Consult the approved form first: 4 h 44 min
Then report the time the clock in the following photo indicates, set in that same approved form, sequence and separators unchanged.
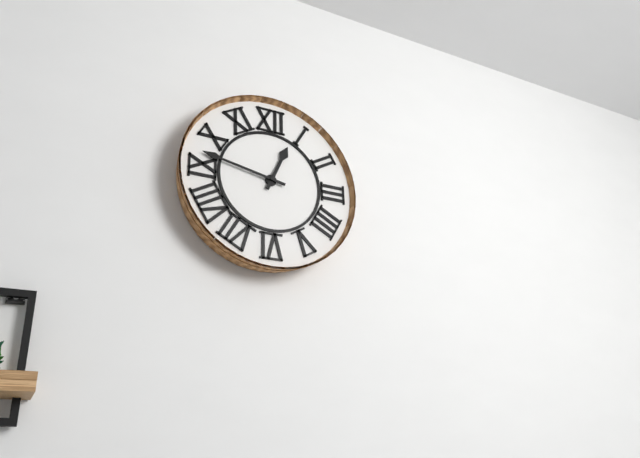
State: 12 h 47 min
